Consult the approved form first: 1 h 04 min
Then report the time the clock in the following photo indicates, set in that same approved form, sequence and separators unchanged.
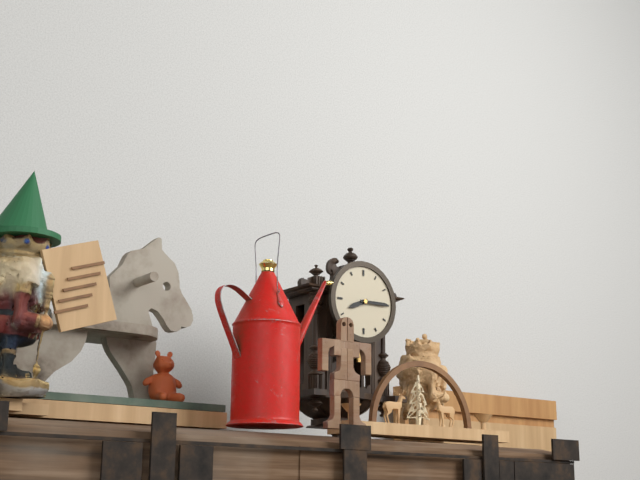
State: 8 h 15 min
